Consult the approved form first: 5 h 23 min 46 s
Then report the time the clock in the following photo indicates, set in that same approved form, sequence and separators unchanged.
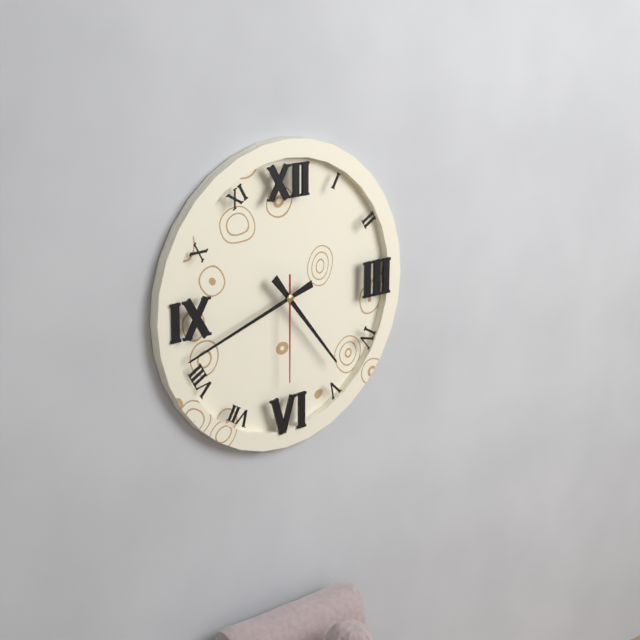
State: 4 h 42 min 30 s
